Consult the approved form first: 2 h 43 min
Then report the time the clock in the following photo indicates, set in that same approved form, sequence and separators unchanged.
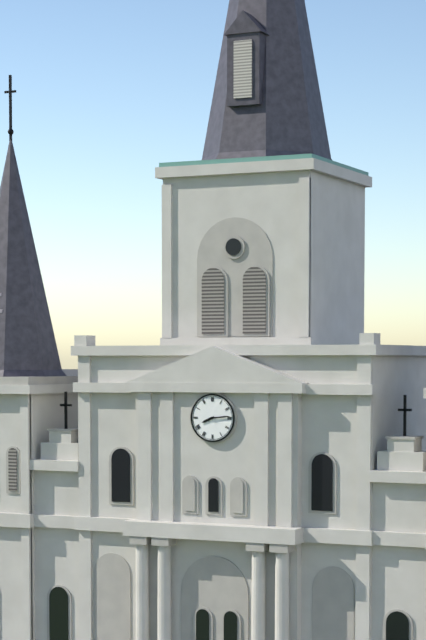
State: 8 h 14 min
